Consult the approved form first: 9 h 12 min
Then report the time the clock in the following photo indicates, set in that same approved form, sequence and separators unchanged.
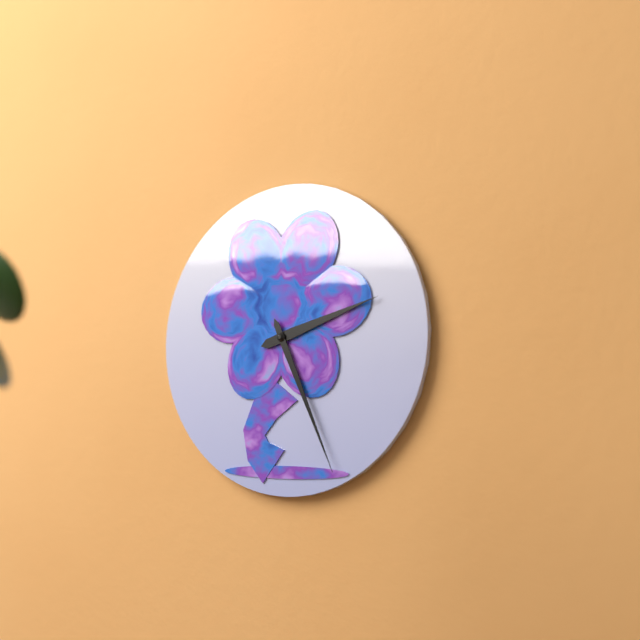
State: 2 h 26 min
